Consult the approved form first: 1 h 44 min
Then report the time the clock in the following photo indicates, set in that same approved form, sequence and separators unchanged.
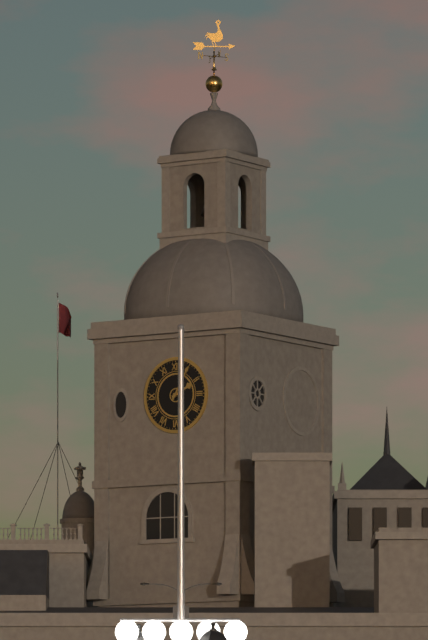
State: 2 h 05 min
